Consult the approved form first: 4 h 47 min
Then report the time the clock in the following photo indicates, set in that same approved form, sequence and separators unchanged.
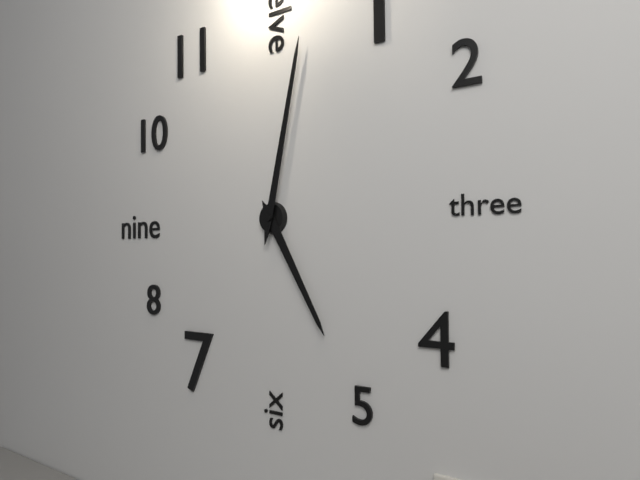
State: 5 h 02 min
